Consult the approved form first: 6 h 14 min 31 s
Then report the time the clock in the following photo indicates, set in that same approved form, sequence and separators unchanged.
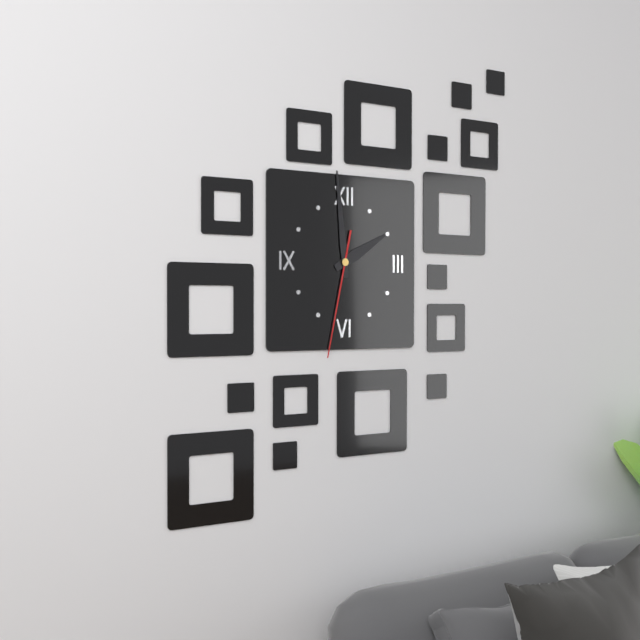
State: 1 h 59 min 32 s
